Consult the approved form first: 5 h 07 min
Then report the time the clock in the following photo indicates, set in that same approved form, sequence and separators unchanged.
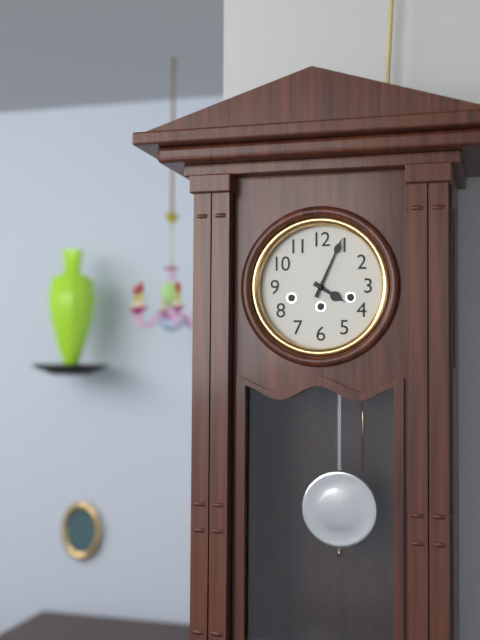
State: 4 h 04 min
